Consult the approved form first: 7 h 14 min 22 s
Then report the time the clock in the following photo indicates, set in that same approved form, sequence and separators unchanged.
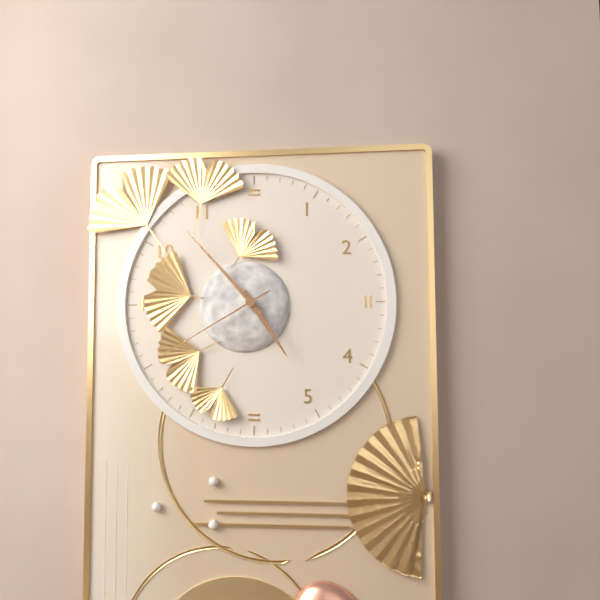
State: 4 h 53 min 40 s
